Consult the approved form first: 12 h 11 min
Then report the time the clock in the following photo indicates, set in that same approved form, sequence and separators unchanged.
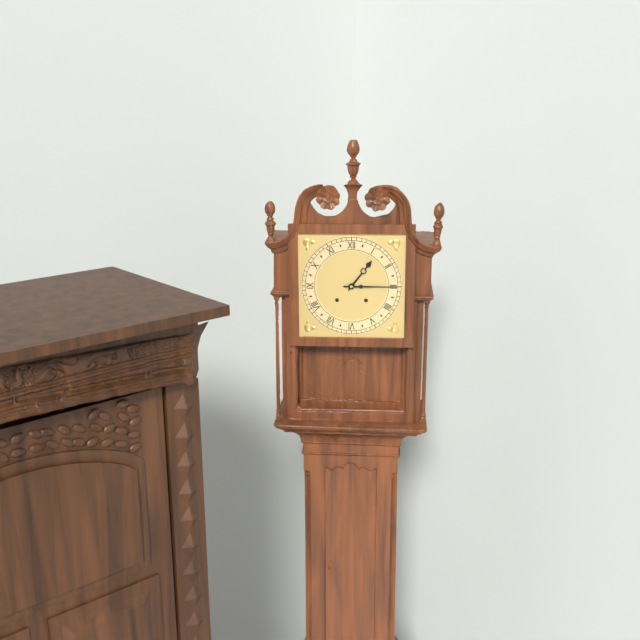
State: 1 h 15 min
